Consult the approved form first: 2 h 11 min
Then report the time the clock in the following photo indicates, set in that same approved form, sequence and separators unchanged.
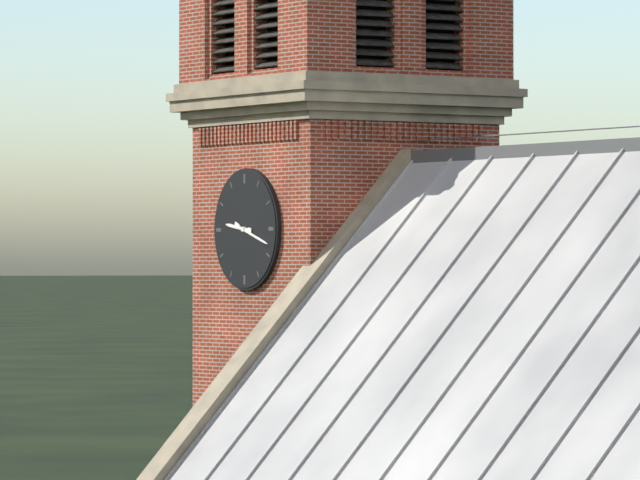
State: 9 h 18 min
